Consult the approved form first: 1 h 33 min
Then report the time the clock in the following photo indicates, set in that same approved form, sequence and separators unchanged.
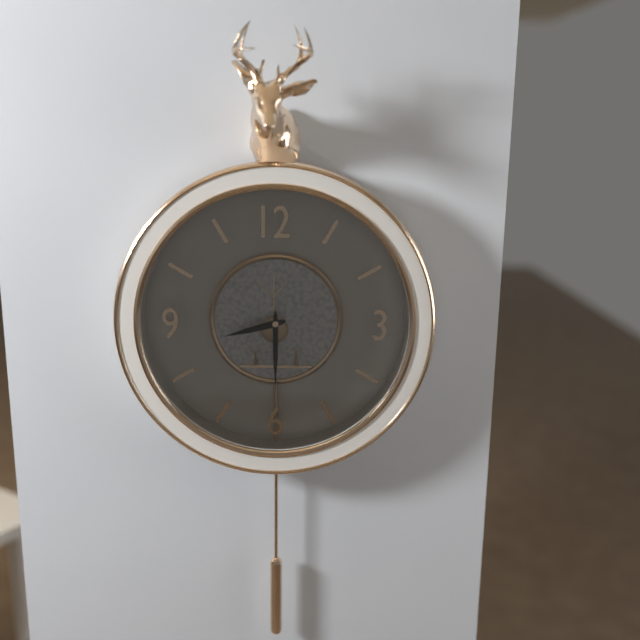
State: 8 h 30 min
